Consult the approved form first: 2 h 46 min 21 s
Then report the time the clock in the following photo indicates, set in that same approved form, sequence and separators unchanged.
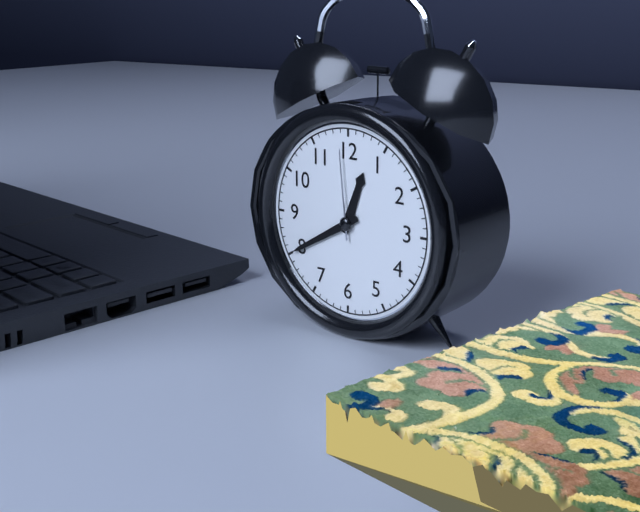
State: 12 h 40 min 59 s
